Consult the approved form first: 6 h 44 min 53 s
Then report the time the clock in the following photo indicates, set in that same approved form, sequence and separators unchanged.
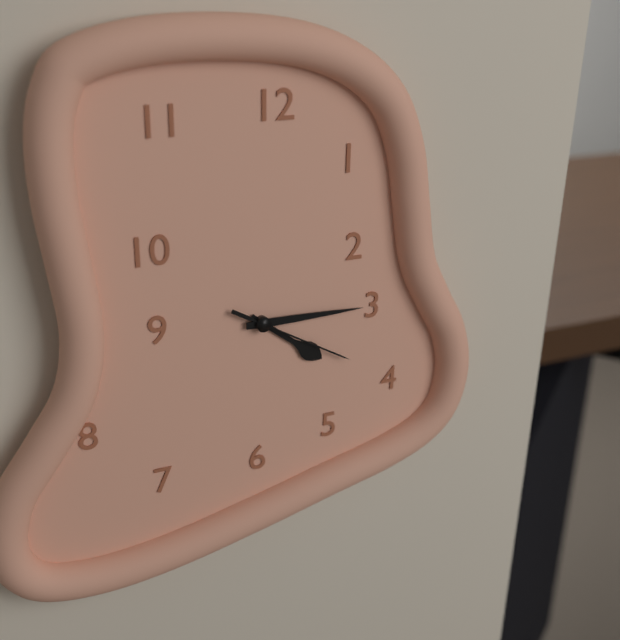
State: 4 h 15 min 20 s
